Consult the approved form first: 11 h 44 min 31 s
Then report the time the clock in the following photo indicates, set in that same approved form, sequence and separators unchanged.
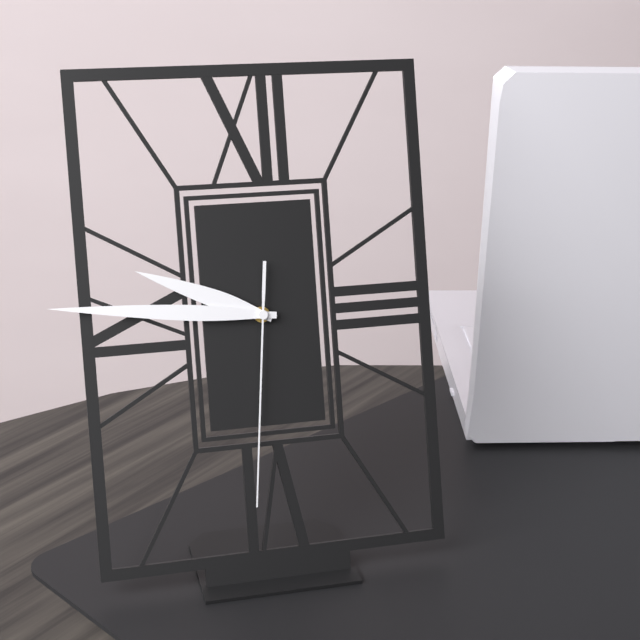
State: 9 h 46 min 31 s
